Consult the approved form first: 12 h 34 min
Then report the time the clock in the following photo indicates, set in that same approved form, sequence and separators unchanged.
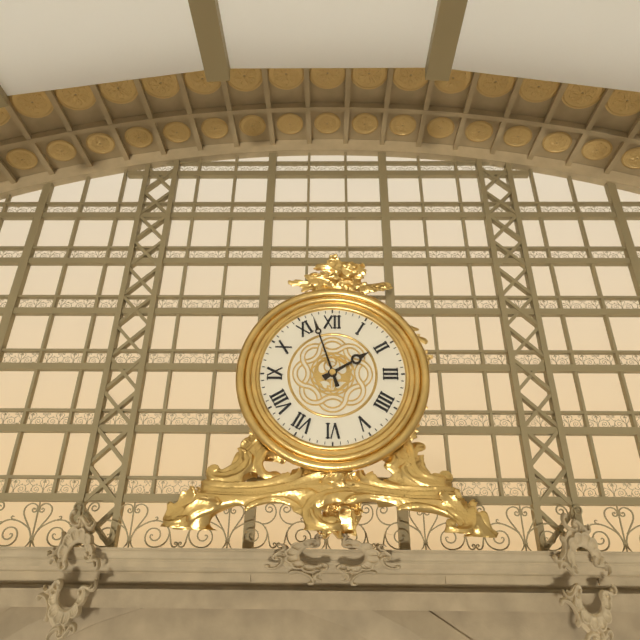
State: 1 h 57 min
